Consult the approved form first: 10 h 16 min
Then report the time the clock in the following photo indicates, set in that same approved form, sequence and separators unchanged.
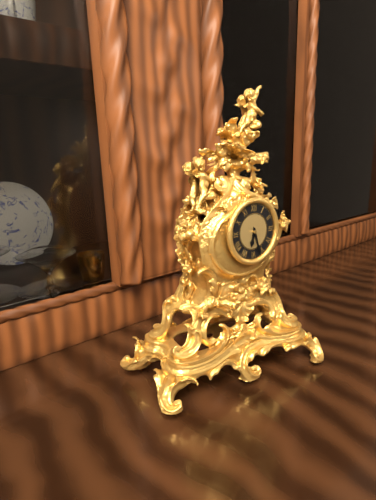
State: 6 h 27 min
